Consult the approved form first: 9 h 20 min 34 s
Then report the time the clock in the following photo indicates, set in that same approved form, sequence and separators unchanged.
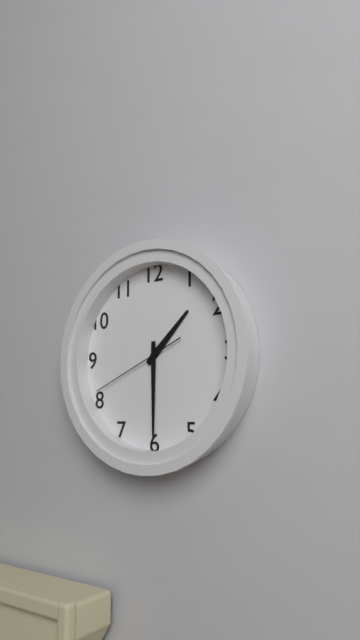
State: 1 h 30 min 41 s
